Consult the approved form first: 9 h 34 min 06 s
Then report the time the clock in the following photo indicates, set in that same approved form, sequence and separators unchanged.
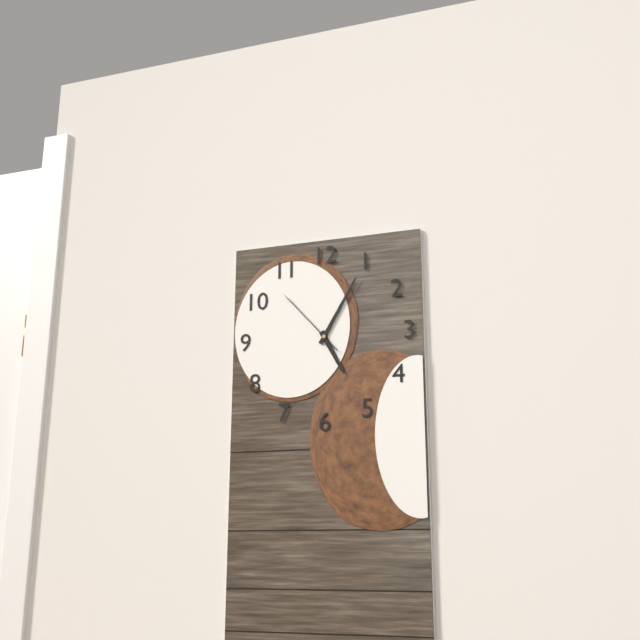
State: 5 h 05 min 53 s
